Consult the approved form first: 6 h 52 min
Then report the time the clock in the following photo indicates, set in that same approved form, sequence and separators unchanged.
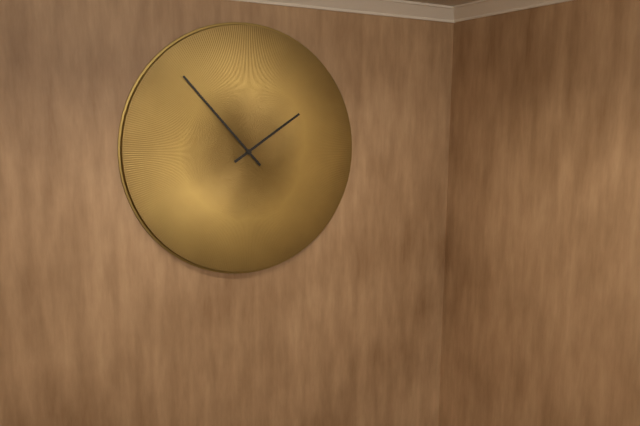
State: 1 h 53 min
